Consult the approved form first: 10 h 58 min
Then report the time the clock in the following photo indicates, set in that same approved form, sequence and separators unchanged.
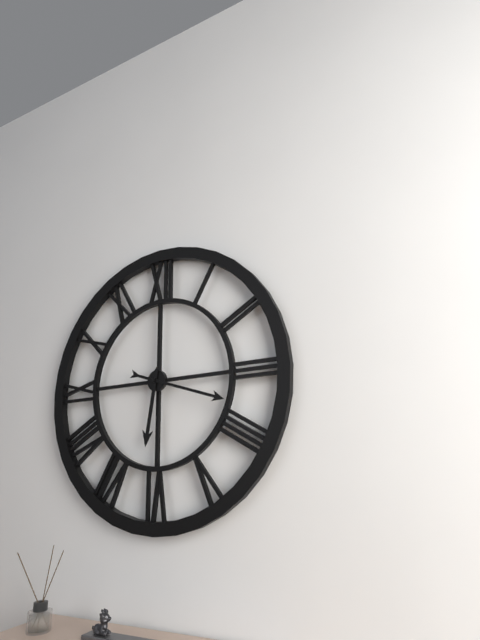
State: 6 h 18 min
